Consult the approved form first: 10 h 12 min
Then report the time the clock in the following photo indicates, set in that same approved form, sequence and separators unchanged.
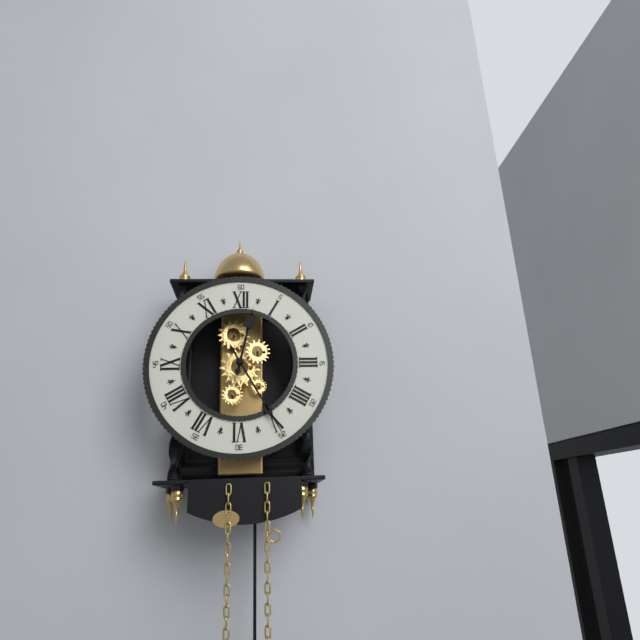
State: 12 h 25 min
